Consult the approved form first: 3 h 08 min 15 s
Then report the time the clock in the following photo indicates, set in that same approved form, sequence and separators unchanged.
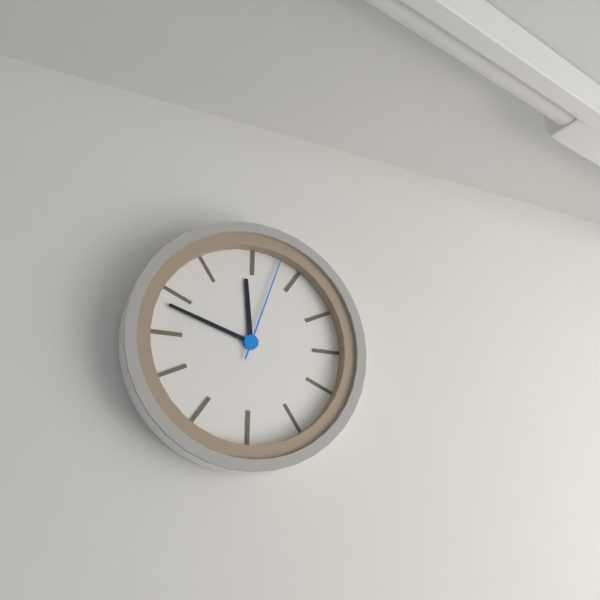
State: 11 h 48 min 03 s
